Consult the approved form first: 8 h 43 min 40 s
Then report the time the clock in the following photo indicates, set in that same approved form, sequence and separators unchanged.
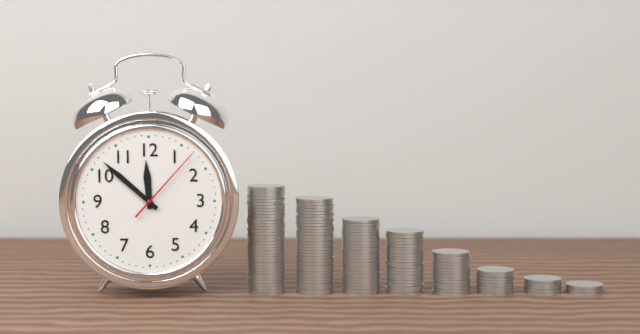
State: 11 h 52 min 07 s
